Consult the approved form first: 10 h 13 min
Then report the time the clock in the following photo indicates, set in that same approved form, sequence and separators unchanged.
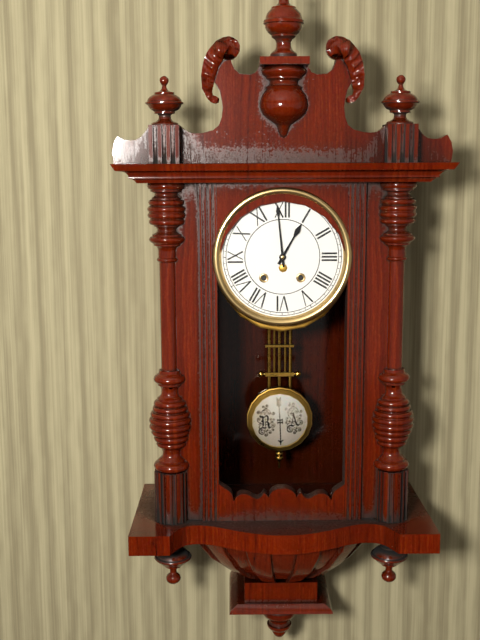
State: 12 h 59 min
